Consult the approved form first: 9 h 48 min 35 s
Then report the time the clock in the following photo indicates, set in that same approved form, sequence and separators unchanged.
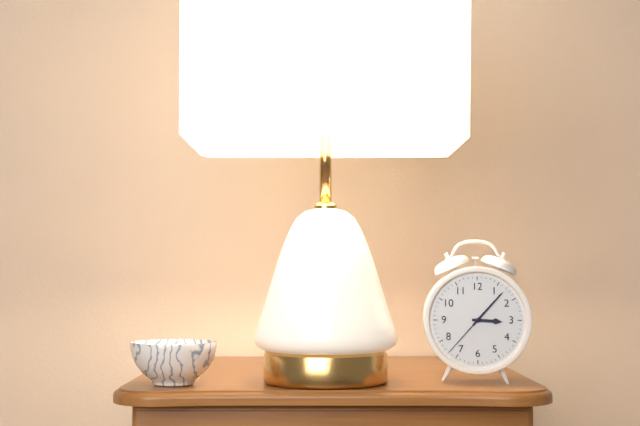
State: 3 h 07 min 37 s
